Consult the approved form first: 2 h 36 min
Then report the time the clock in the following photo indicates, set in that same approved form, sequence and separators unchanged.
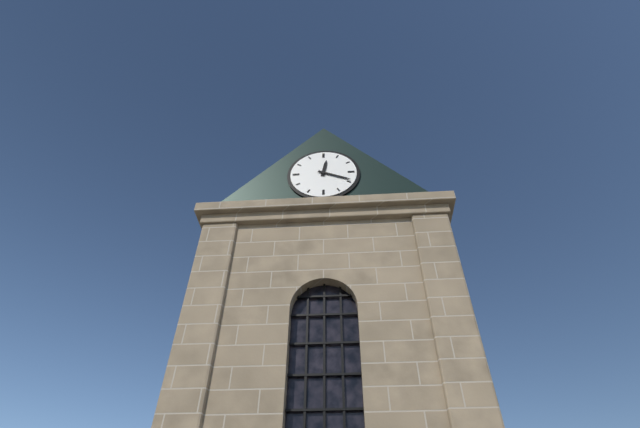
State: 12 h 19 min
